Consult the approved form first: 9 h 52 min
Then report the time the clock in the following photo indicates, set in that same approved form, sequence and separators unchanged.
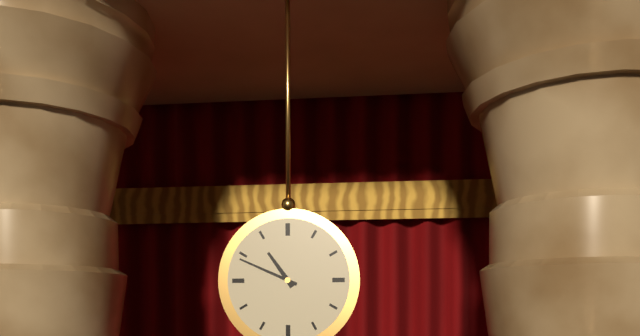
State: 10 h 49 min
